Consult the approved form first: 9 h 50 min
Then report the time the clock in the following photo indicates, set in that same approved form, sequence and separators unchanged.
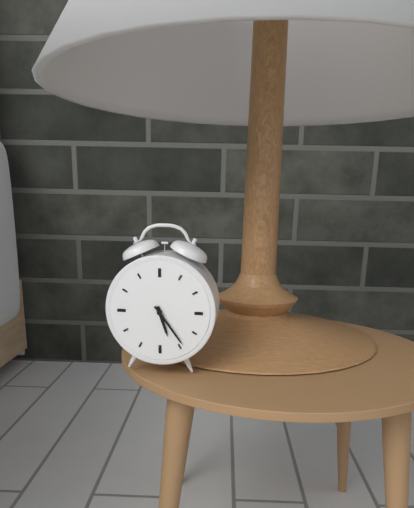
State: 5 h 24 min
